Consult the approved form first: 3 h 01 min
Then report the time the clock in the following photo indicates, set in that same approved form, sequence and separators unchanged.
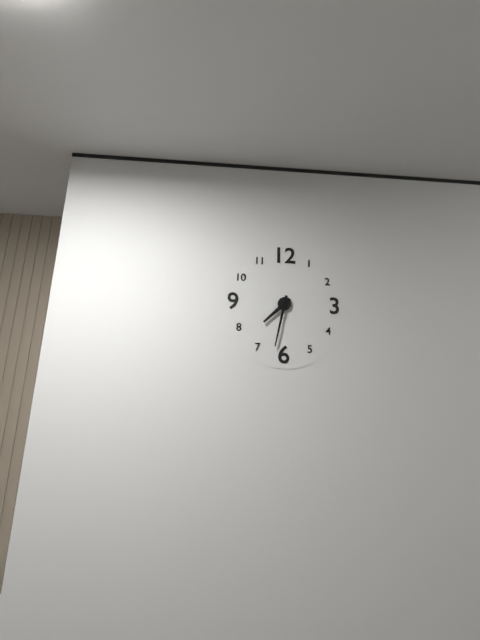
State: 7 h 32 min
